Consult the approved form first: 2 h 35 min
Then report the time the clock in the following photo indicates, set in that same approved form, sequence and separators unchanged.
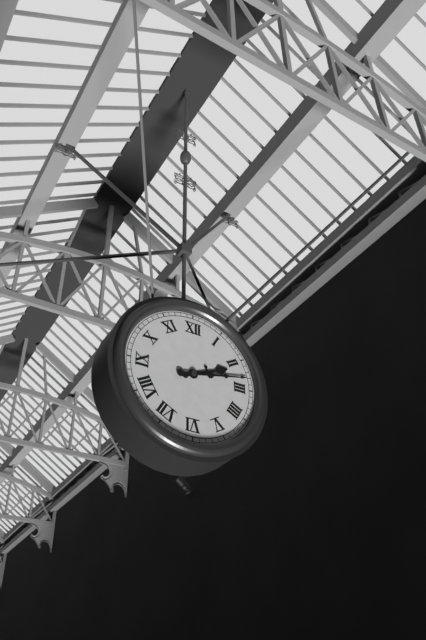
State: 2 h 13 min
